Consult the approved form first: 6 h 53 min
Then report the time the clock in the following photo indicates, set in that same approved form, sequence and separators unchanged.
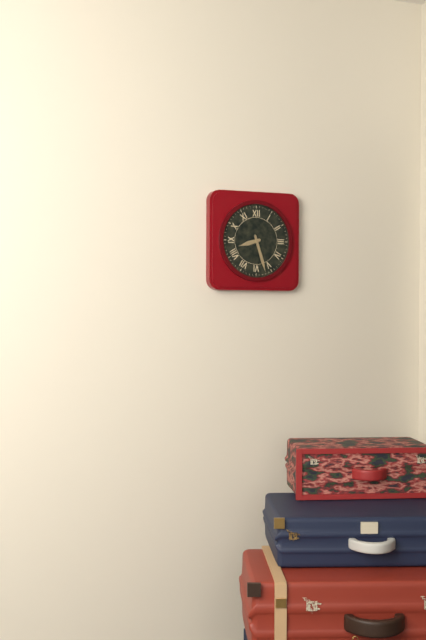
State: 8 h 27 min
